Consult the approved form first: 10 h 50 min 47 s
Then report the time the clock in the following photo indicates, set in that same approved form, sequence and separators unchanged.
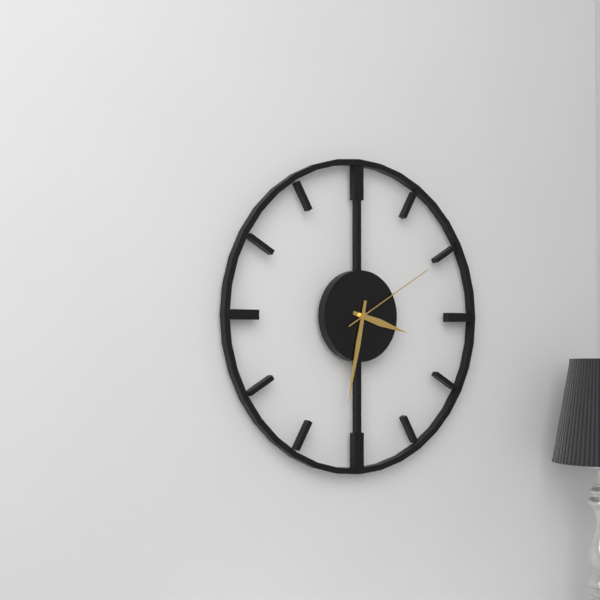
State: 3 h 32 min 10 s
